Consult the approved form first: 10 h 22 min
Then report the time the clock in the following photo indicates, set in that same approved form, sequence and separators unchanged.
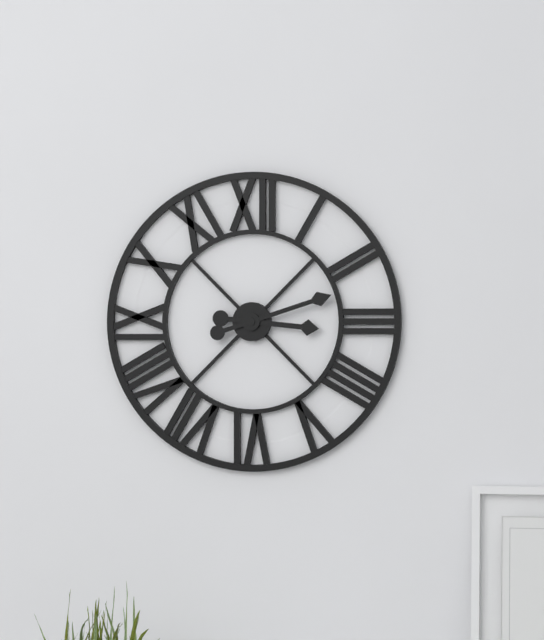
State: 3 h 12 min
